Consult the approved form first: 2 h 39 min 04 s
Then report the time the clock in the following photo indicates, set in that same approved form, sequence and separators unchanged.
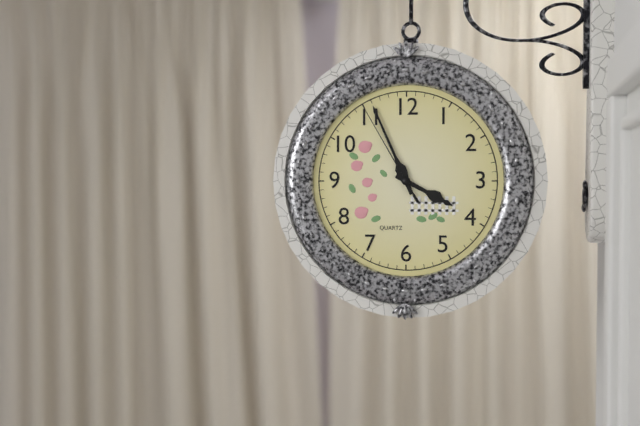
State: 3 h 56 min 55 s
